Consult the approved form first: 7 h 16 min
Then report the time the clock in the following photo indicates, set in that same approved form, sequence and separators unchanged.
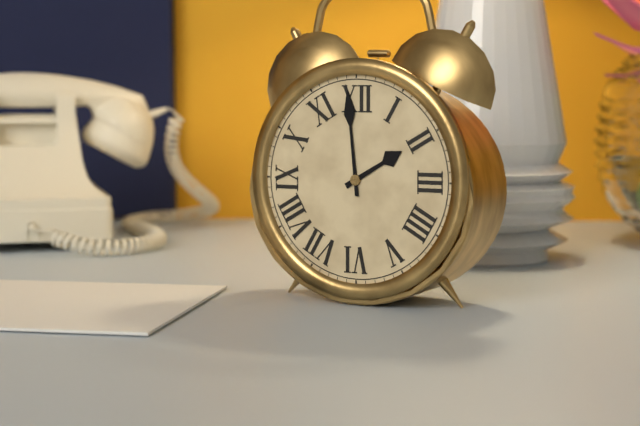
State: 1 h 59 min
